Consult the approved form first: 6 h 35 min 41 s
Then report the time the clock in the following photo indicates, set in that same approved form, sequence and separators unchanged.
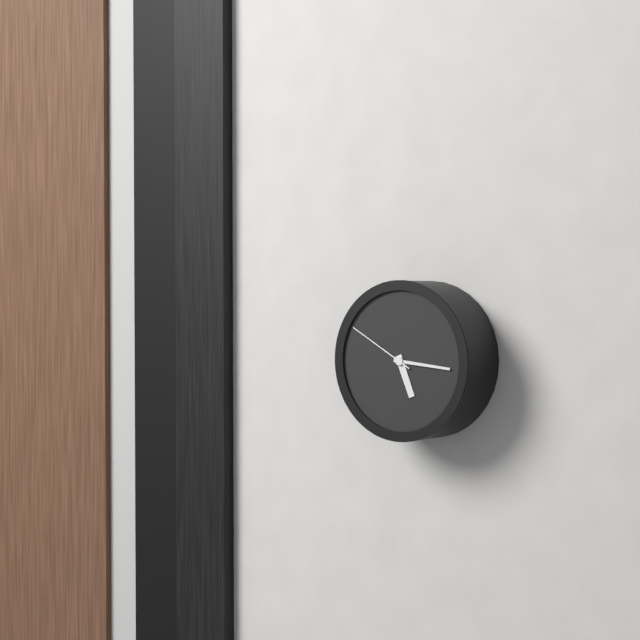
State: 5 h 16 min 50 s
